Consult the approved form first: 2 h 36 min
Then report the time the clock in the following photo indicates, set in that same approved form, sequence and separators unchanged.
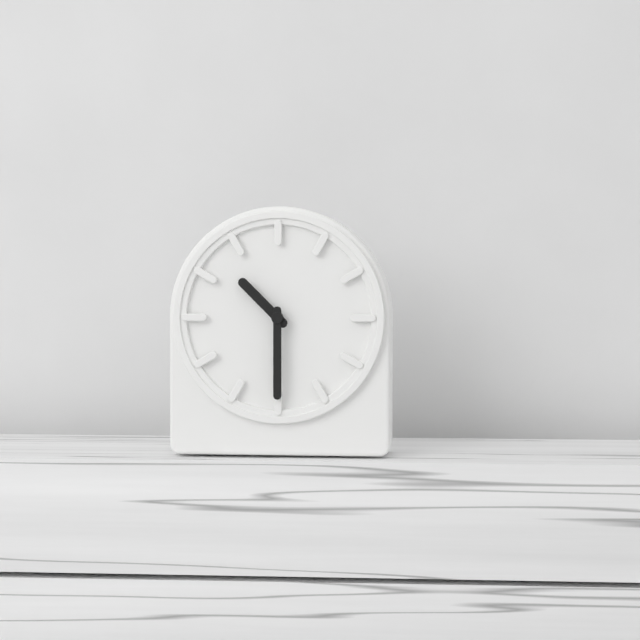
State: 10 h 30 min
